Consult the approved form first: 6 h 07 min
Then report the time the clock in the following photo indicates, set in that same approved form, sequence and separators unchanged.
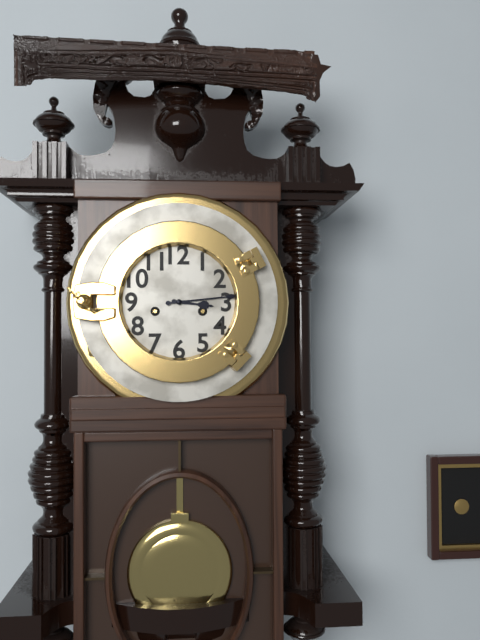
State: 3 h 14 min
